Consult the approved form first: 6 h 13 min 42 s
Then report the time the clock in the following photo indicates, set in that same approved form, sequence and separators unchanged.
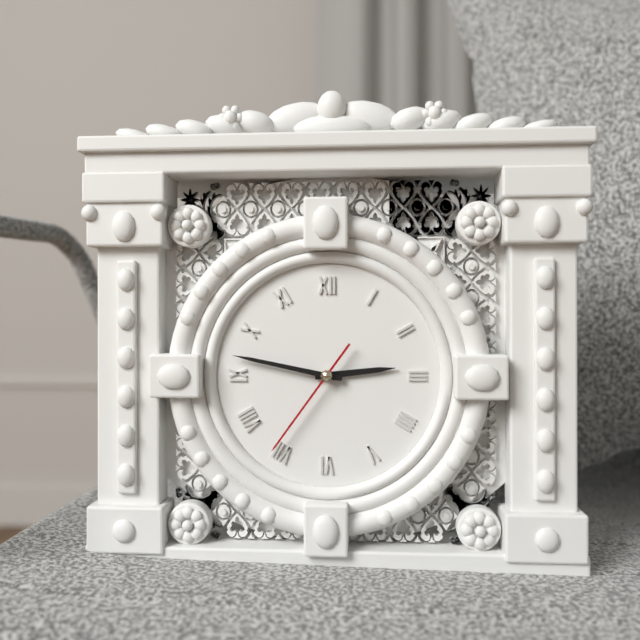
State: 2 h 47 min 36 s
